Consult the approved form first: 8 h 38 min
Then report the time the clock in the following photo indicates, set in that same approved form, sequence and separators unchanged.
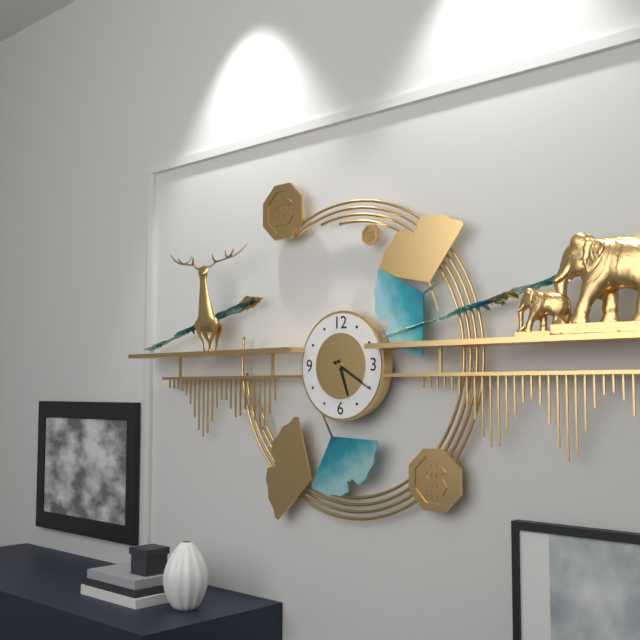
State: 5 h 20 min
